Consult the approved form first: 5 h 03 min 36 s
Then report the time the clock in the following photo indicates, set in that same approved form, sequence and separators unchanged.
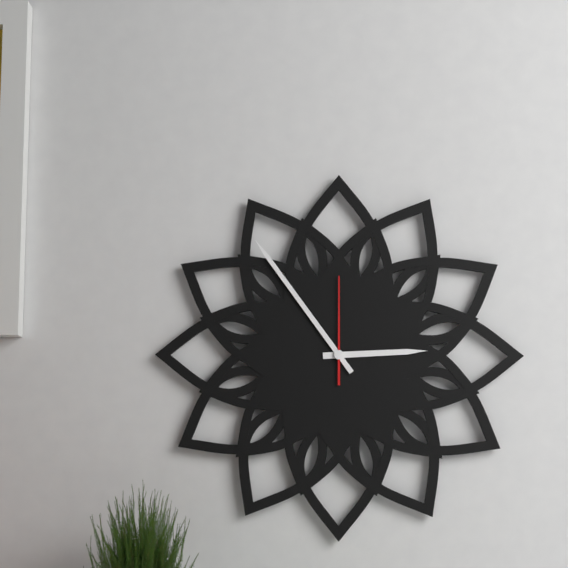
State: 2 h 54 min 00 s
